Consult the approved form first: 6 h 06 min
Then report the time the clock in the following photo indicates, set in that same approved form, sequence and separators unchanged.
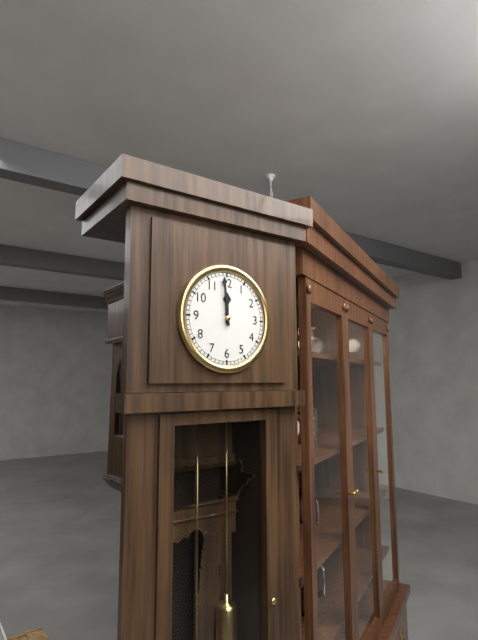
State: 11 h 59 min
